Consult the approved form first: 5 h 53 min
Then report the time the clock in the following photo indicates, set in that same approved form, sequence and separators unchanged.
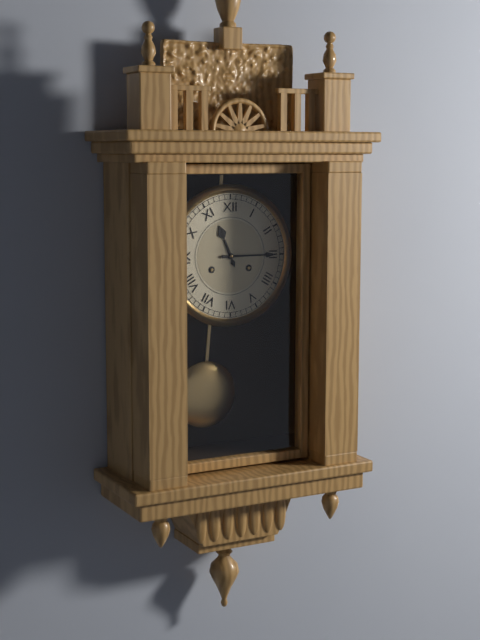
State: 11 h 15 min
